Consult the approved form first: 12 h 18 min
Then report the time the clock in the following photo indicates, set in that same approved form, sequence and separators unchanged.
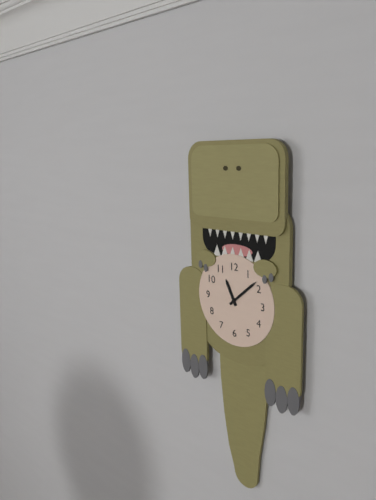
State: 11 h 08 min
